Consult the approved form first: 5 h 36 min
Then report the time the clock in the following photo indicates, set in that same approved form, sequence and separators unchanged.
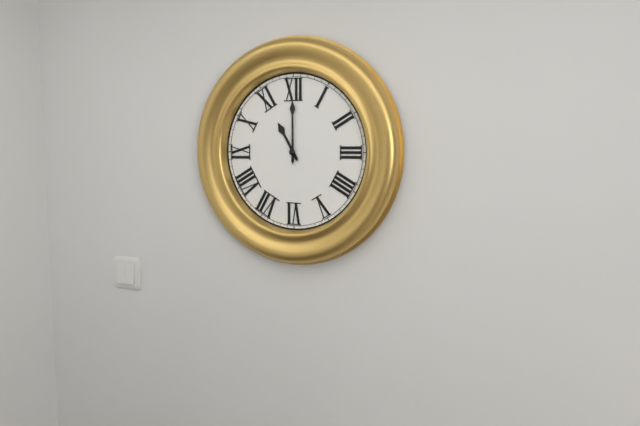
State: 11 h 00 min
